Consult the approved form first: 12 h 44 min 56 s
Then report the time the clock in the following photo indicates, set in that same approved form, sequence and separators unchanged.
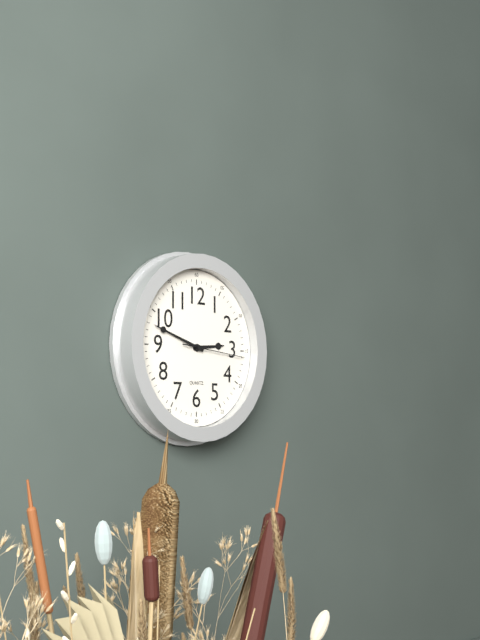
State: 2 h 48 min 16 s
